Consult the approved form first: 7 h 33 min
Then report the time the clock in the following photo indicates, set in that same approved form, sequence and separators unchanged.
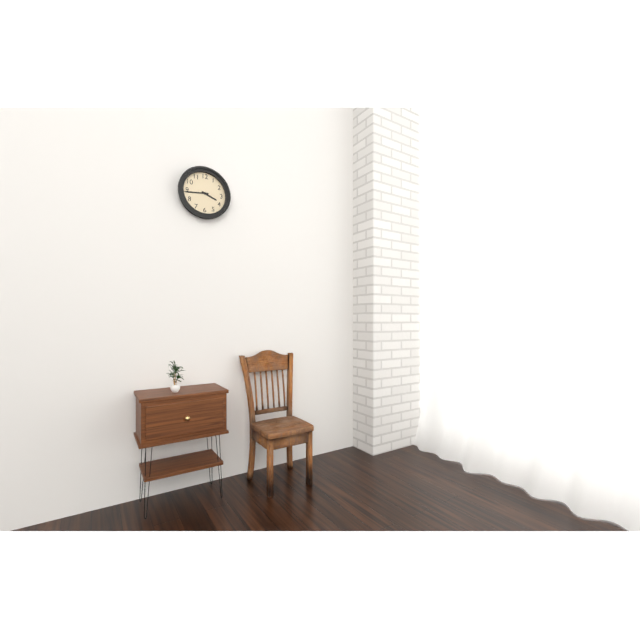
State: 3 h 44 min
